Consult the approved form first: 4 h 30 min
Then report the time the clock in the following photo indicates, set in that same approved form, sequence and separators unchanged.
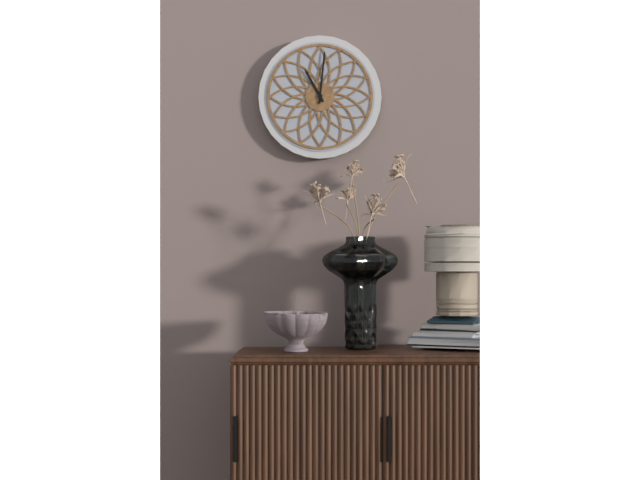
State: 11 h 01 min
